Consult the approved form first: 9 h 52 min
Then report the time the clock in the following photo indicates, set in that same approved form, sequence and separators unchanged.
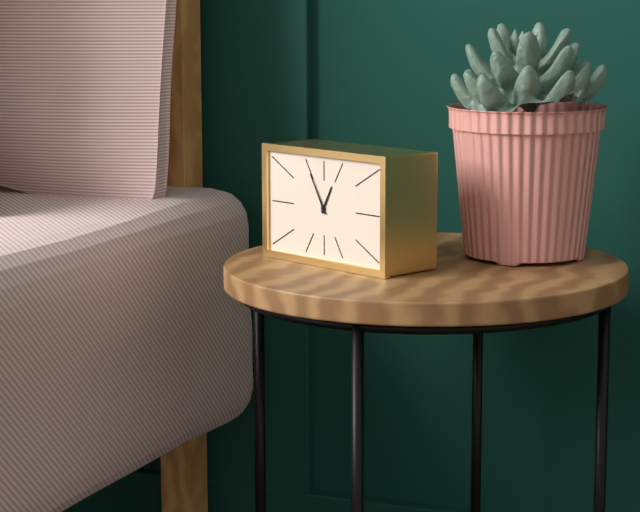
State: 12 h 55 min
